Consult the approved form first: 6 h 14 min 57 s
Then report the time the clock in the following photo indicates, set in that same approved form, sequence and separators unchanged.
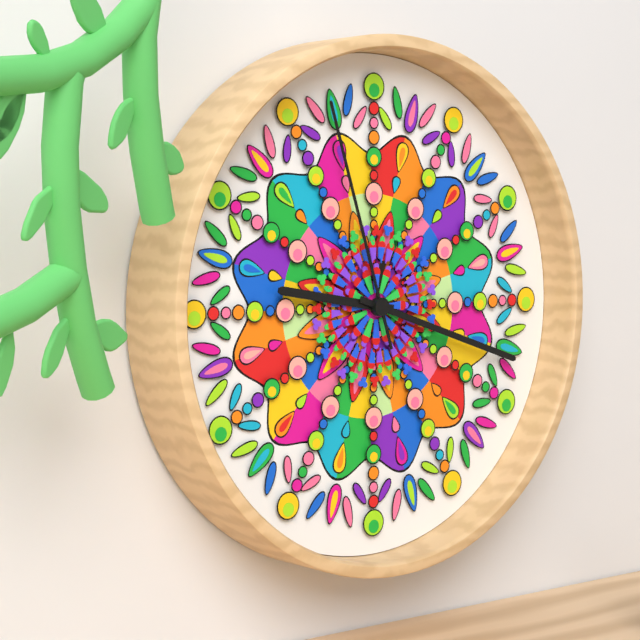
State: 9 h 18 min 57 s
